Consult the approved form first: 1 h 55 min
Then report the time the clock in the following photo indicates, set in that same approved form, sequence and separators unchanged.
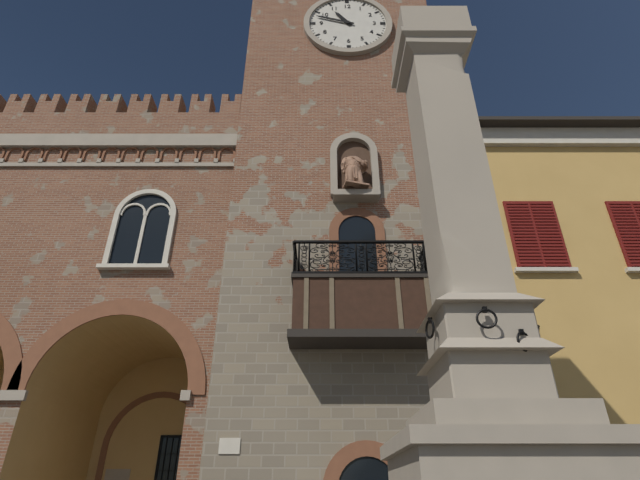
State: 10 h 48 min
